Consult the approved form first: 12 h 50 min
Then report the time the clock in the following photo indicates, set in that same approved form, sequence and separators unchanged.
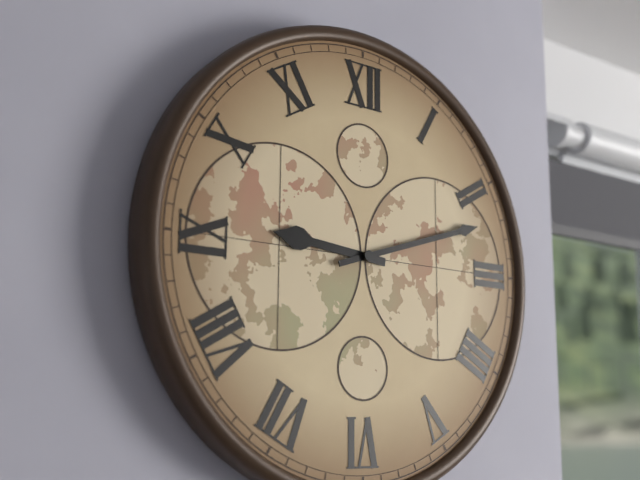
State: 9 h 12 min
